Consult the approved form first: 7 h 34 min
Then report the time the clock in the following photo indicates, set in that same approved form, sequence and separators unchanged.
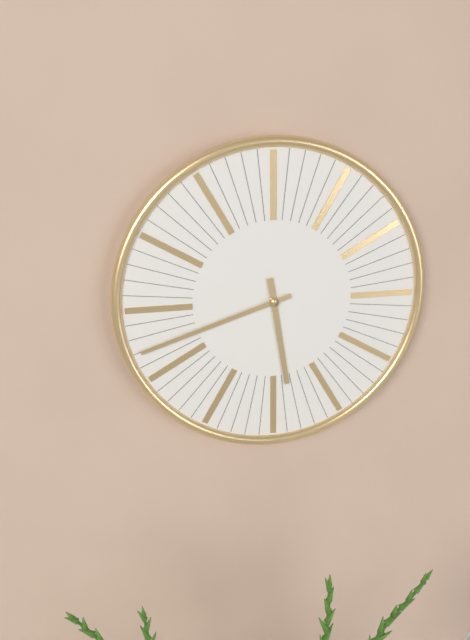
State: 5 h 42 min
